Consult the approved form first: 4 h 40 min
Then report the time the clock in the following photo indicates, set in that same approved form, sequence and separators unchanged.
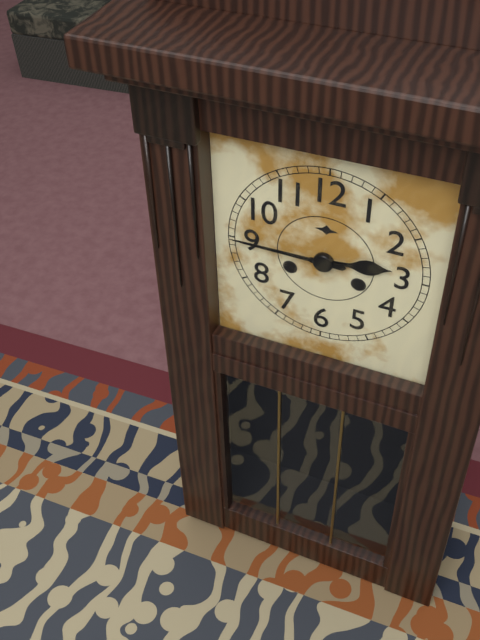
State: 2 h 45 min
